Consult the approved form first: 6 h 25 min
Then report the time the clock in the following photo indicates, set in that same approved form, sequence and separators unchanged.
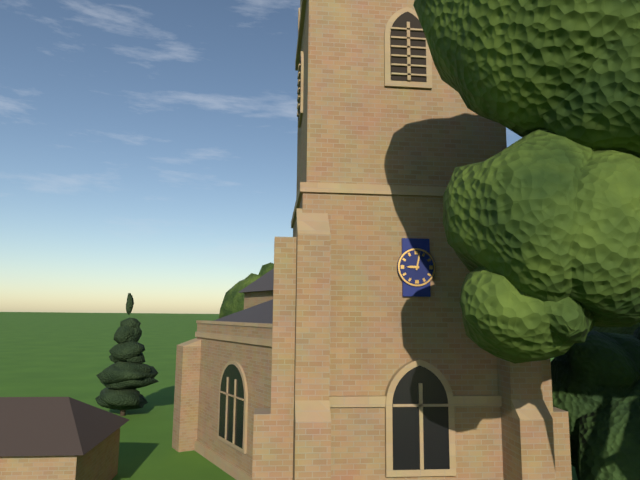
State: 9 h 02 min
